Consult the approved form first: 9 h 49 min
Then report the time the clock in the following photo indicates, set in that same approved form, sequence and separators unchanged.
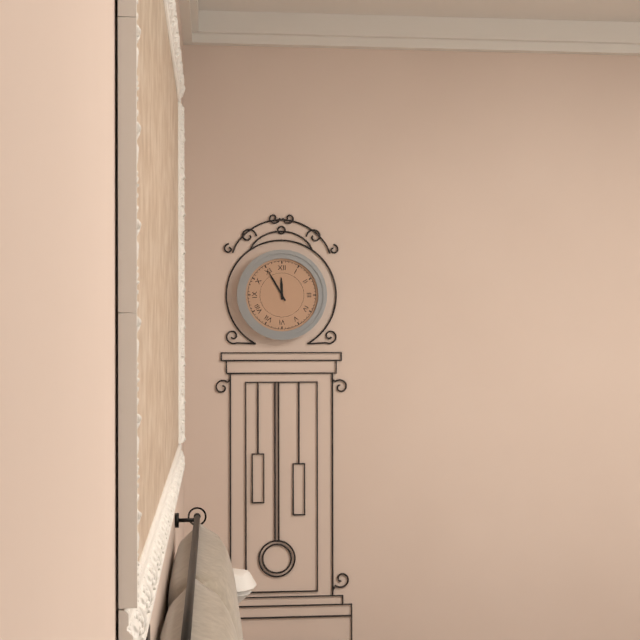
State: 11 h 55 min
